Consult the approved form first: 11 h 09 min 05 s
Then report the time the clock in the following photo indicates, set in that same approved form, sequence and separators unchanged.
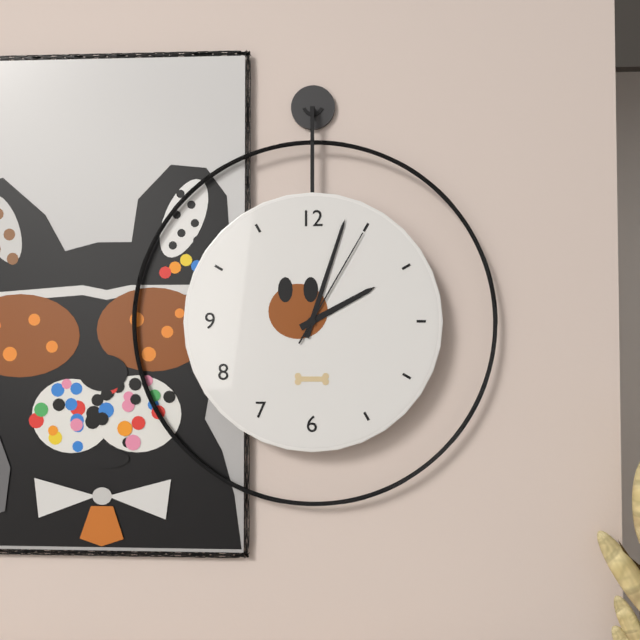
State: 2 h 03 min 05 s
